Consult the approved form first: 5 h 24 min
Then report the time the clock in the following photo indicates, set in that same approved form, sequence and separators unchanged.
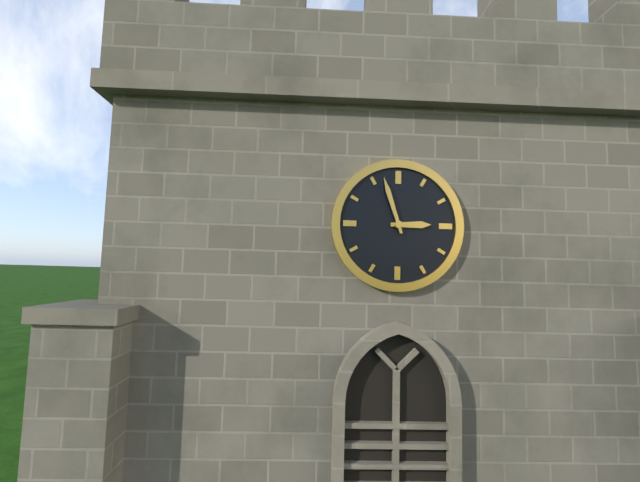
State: 2 h 57 min
